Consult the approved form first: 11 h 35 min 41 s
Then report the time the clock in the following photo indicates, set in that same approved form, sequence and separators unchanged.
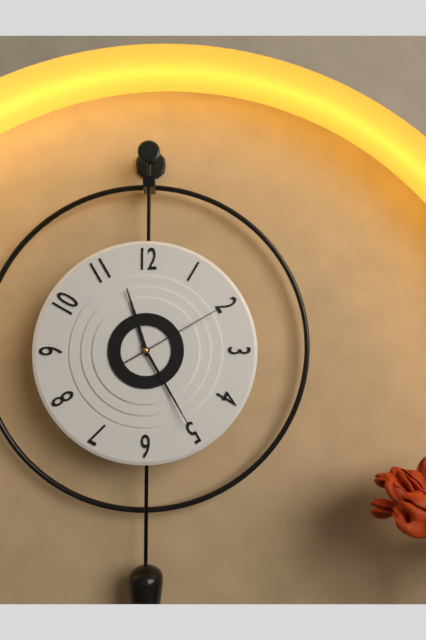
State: 11 h 25 min 10 s
